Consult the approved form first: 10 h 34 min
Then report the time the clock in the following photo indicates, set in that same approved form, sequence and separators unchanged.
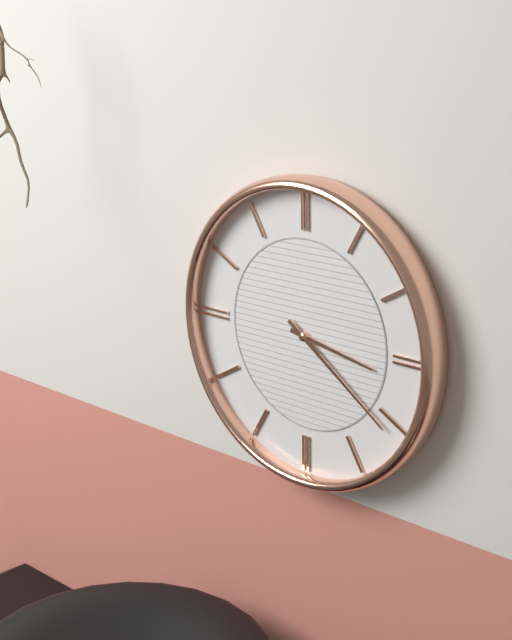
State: 3 h 21 min
